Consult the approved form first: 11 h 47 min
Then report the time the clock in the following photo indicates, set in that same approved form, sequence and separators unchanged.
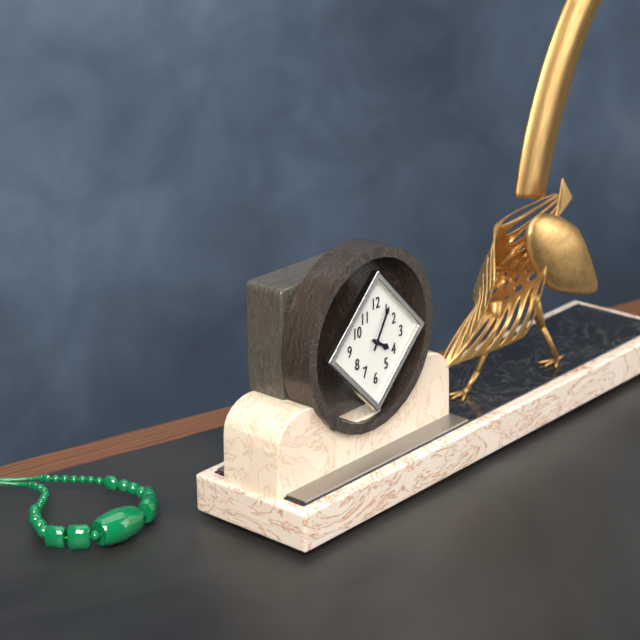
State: 4 h 05 min
